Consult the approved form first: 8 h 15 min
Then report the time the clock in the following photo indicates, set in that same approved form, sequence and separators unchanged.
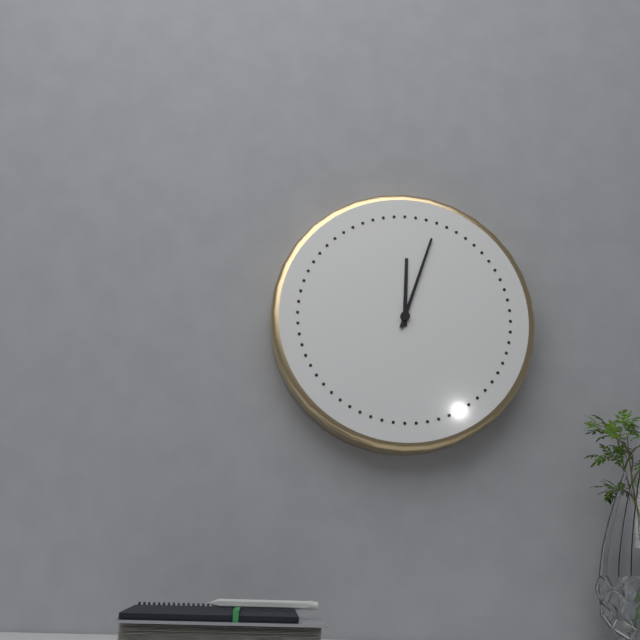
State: 12 h 03 min
